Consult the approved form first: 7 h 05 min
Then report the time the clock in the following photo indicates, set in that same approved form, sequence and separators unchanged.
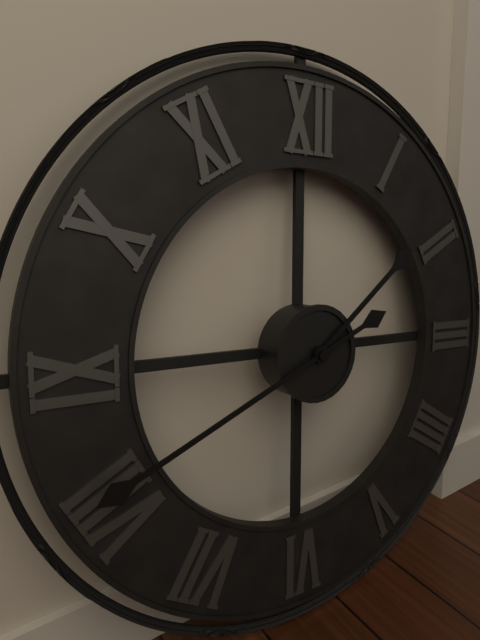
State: 1 h 41 min
